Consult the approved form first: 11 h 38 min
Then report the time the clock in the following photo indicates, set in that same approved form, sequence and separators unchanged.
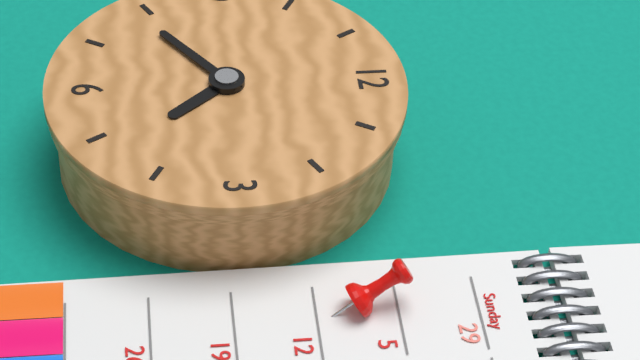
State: 4 h 39 min
